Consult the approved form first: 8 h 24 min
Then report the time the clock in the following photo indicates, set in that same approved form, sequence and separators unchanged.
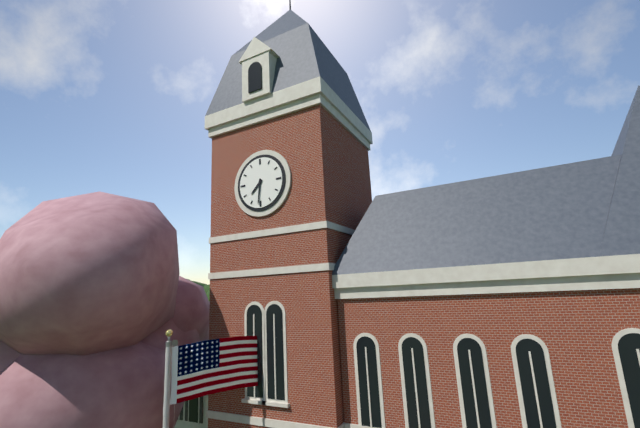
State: 7 h 31 min
